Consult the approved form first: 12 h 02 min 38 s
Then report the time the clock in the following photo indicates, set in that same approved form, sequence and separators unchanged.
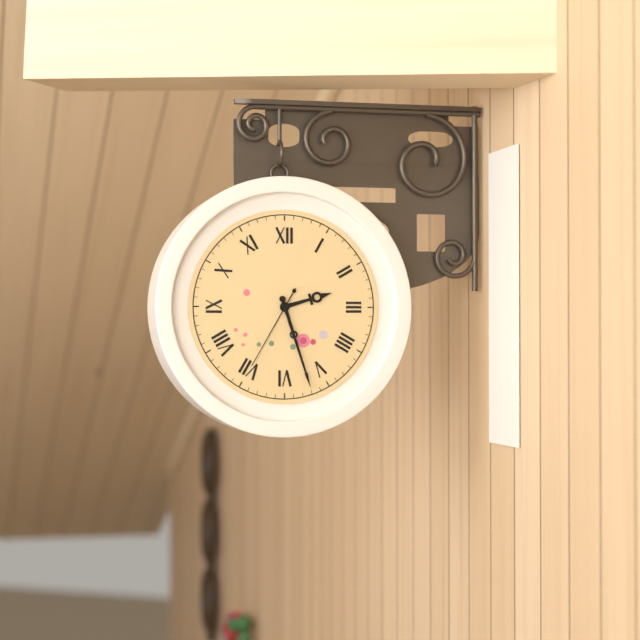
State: 2 h 27 min 35 s
